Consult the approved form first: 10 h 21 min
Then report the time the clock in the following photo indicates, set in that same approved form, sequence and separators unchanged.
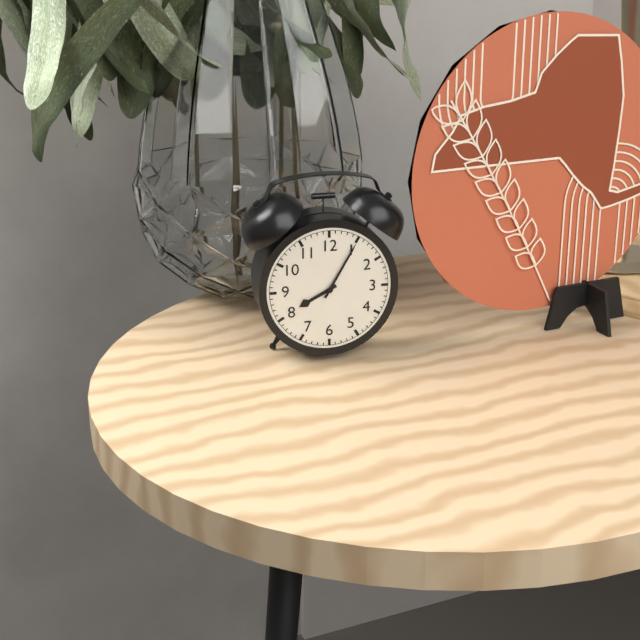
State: 8 h 05 min
